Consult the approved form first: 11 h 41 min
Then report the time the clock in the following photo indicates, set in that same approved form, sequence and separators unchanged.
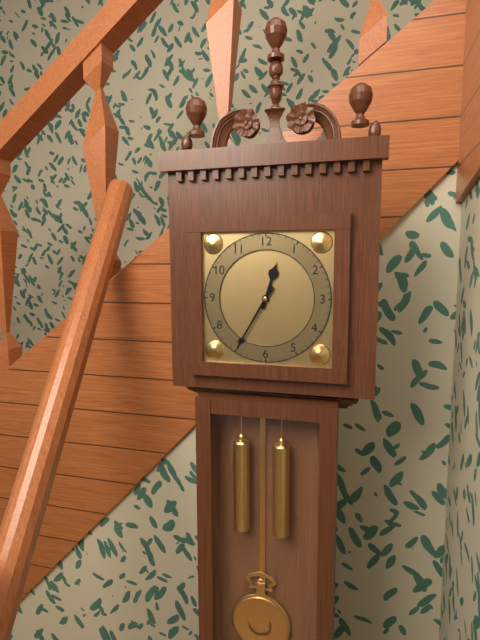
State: 12 h 35 min
